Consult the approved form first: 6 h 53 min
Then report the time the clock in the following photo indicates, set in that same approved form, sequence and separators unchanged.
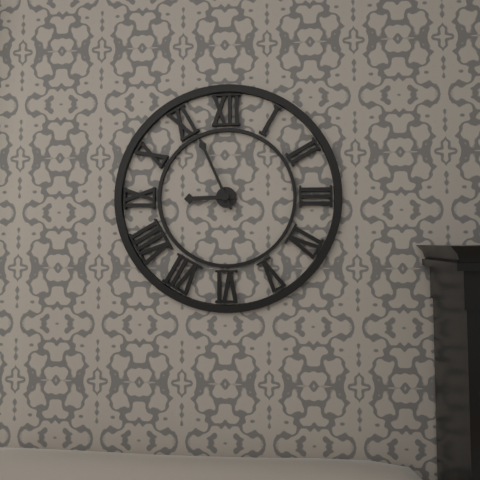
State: 8 h 56 min
